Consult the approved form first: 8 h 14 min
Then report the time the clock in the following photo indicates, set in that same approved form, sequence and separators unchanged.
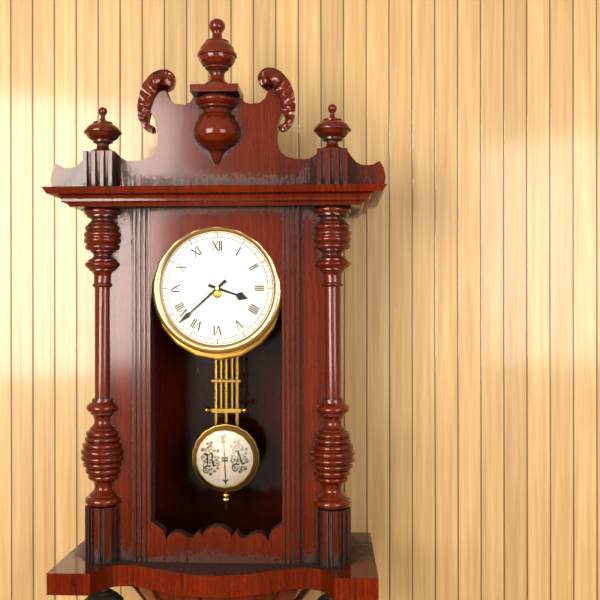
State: 3 h 38 min
